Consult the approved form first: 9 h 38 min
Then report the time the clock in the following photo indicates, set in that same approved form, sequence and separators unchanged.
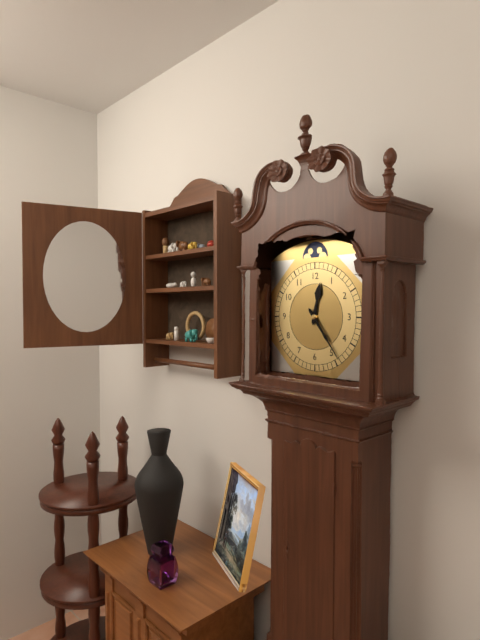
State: 12 h 24 min
